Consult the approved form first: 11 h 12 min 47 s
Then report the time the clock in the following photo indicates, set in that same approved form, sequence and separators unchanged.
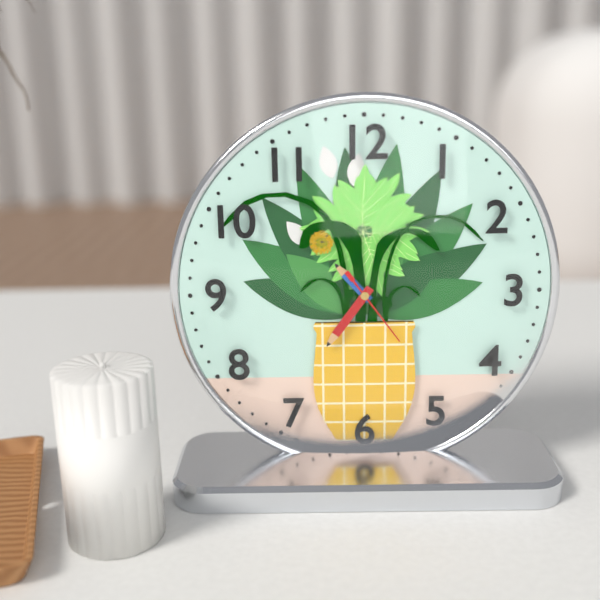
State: 10 h 36 min 24 s
